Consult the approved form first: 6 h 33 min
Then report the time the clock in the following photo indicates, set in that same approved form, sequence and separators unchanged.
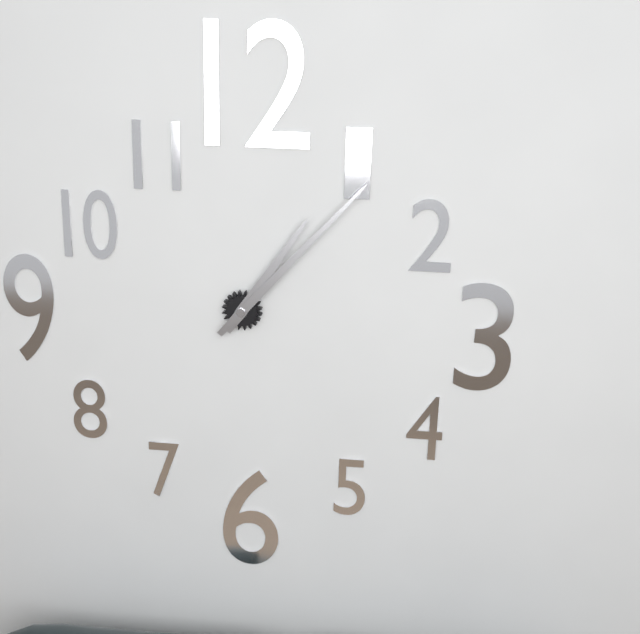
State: 1 h 07 min
